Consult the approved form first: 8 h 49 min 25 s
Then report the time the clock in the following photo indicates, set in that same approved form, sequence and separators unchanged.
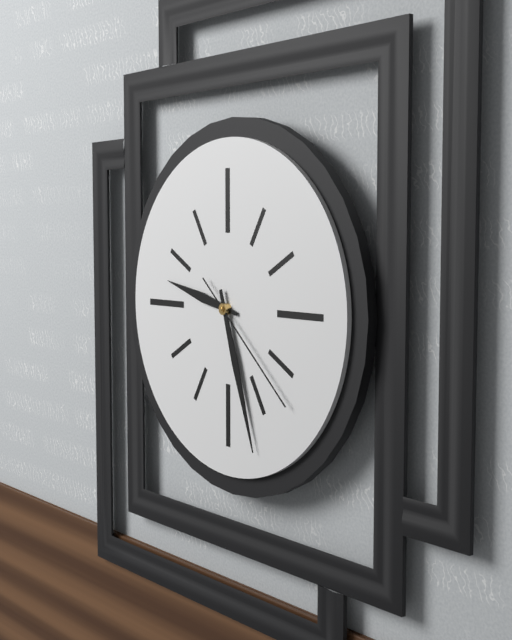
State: 9 h 27 min 22 s
